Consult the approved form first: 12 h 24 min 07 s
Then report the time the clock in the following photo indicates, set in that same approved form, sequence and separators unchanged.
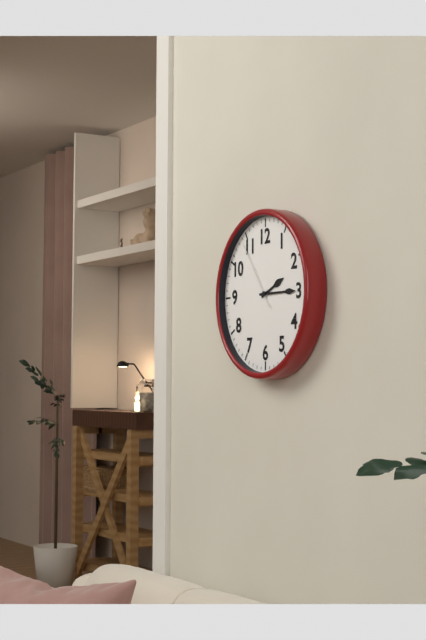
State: 2 h 15 min 54 s
